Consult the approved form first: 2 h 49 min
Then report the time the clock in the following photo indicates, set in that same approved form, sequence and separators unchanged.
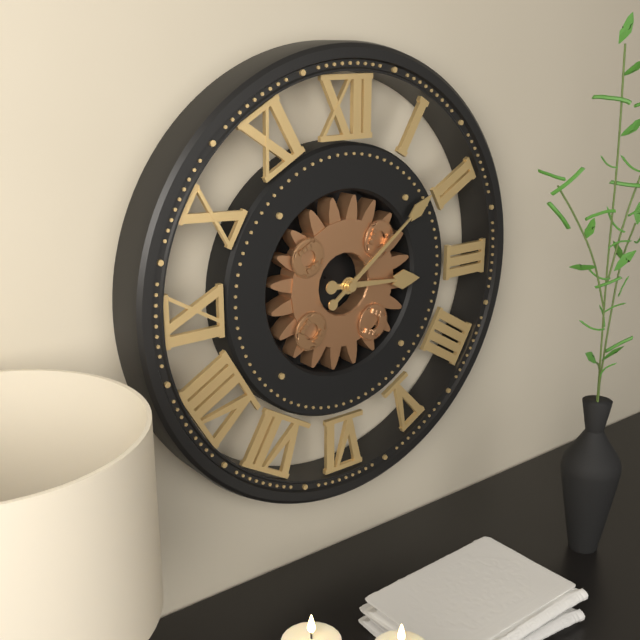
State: 3 h 09 min
